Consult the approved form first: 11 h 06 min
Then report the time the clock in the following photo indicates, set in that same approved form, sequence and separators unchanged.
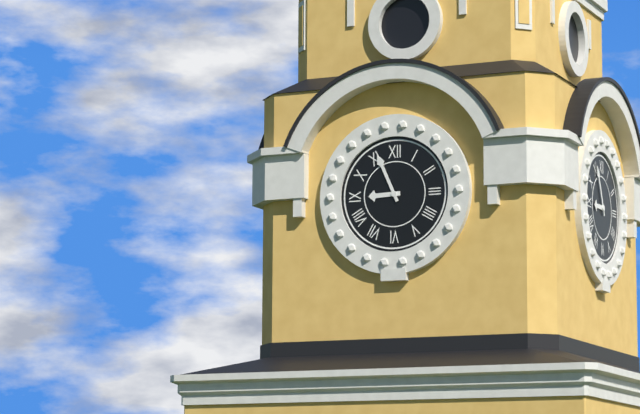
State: 8 h 56 min
